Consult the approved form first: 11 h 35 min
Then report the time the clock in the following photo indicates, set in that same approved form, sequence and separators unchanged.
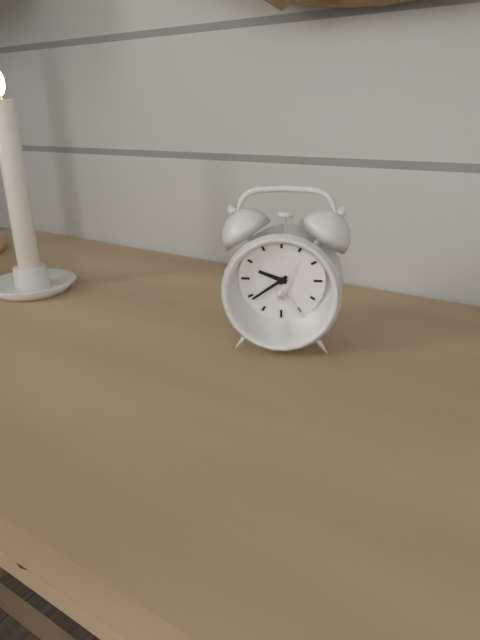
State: 9 h 39 min
